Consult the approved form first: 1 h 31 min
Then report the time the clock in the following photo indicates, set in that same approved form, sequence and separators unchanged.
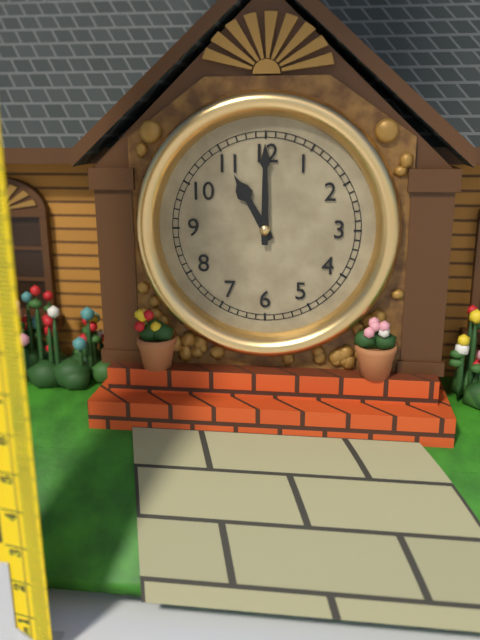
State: 11 h 00 min
